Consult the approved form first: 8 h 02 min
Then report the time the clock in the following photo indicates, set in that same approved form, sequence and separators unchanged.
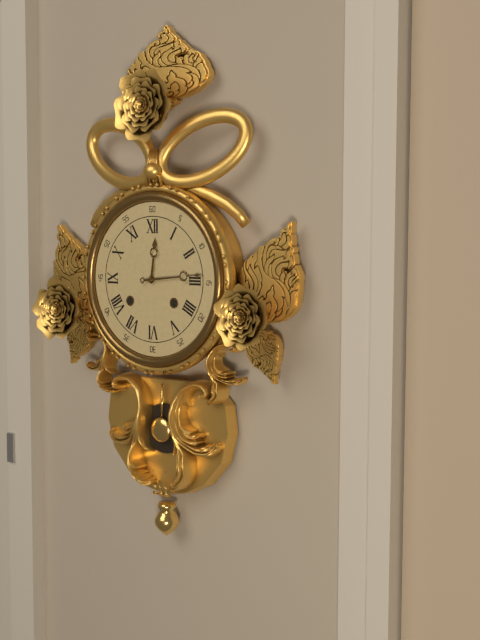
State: 12 h 14 min
